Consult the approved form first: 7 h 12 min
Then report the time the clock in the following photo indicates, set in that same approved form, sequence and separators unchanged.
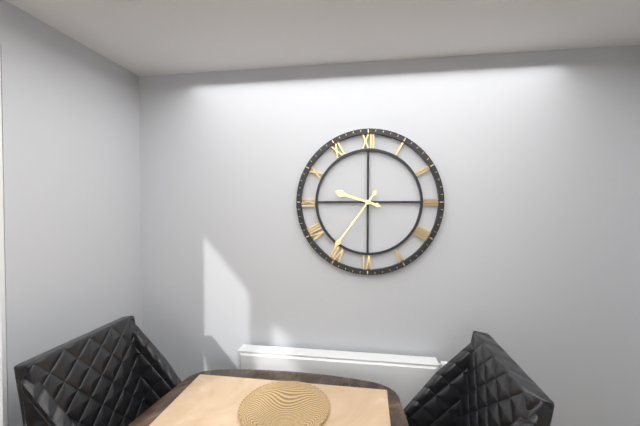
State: 9 h 36 min
